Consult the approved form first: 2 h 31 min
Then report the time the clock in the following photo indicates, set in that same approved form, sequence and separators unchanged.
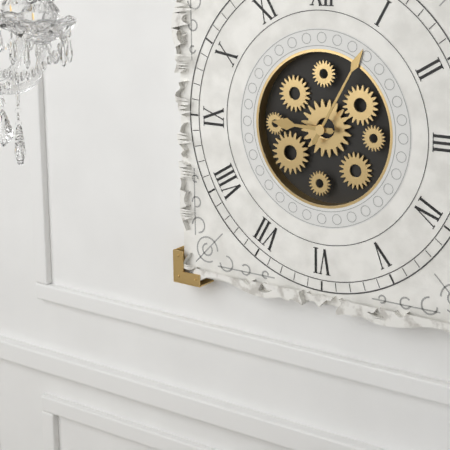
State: 9 h 05 min
